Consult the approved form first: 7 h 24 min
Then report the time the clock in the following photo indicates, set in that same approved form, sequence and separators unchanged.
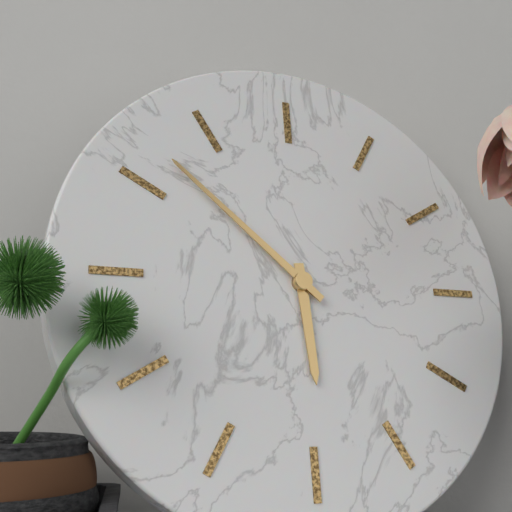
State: 5 h 52 min
